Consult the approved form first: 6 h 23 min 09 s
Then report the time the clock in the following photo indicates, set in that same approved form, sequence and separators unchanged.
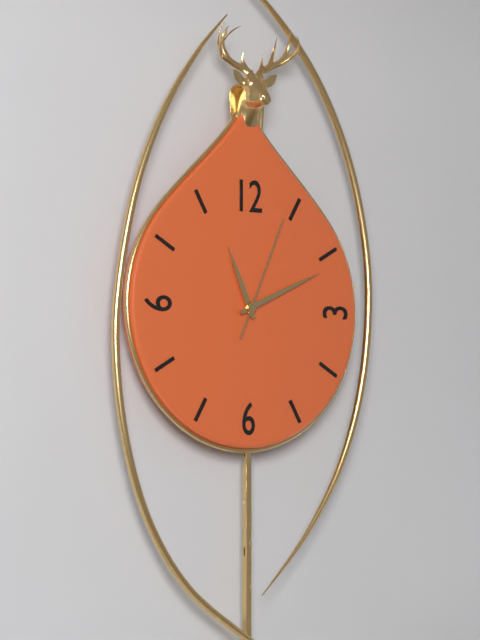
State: 11 h 11 min 04 s
